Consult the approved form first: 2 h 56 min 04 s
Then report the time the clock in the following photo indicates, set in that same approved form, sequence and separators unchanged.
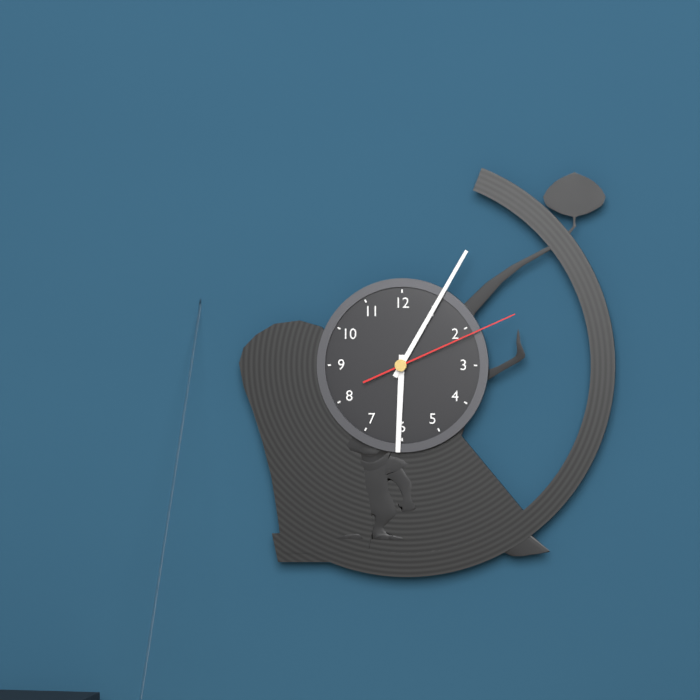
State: 6 h 05 min 11 s
